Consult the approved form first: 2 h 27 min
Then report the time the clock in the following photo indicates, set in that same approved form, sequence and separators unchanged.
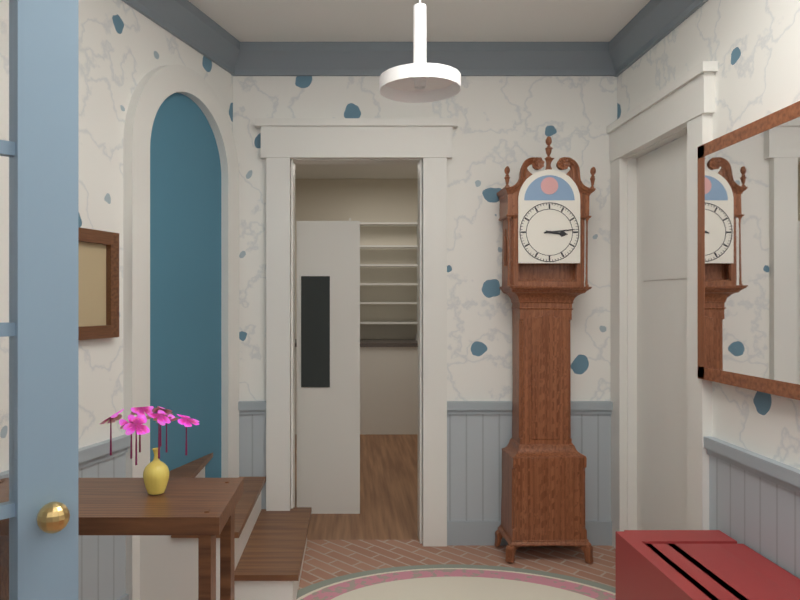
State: 3 h 14 min
